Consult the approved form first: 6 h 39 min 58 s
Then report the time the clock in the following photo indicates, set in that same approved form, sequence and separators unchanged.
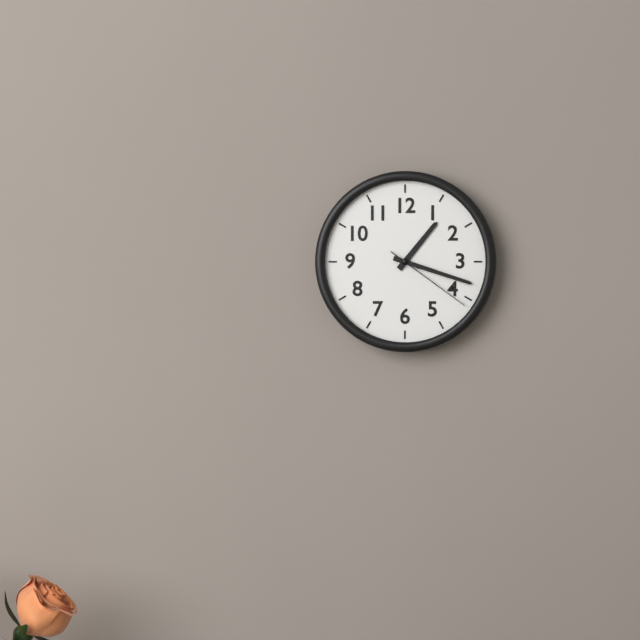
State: 1 h 18 min 21 s
